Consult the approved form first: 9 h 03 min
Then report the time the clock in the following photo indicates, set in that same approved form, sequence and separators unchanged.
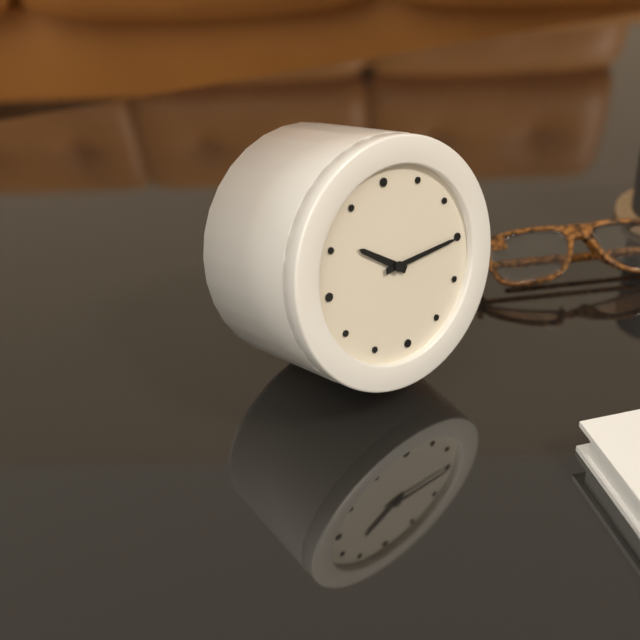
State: 10 h 15 min
